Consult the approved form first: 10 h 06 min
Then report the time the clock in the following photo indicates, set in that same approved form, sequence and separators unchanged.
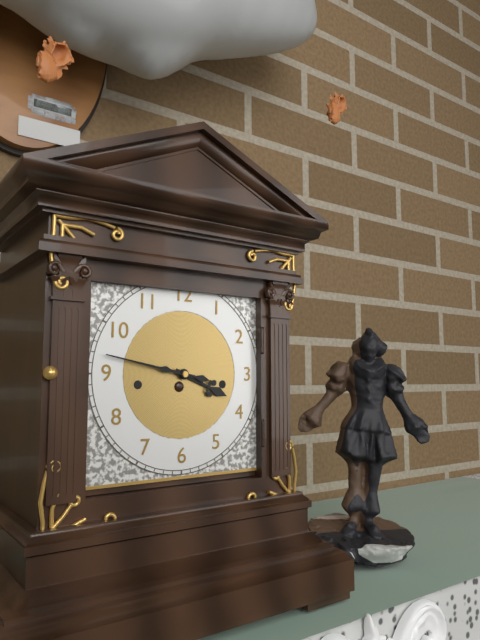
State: 3 h 47 min
